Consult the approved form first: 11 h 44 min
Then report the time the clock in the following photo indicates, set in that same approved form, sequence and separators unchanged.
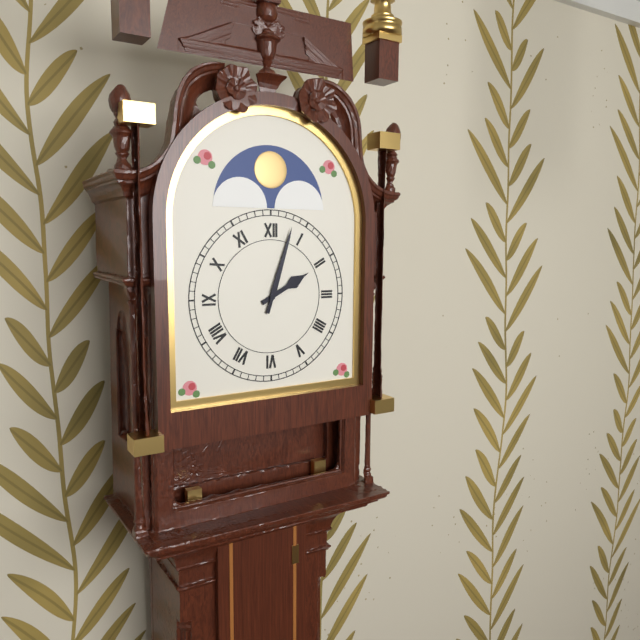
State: 2 h 03 min
